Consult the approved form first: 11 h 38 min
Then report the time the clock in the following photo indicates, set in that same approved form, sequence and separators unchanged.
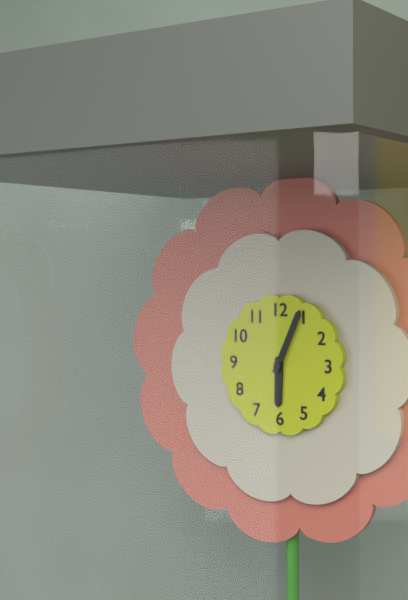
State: 6 h 04 min
